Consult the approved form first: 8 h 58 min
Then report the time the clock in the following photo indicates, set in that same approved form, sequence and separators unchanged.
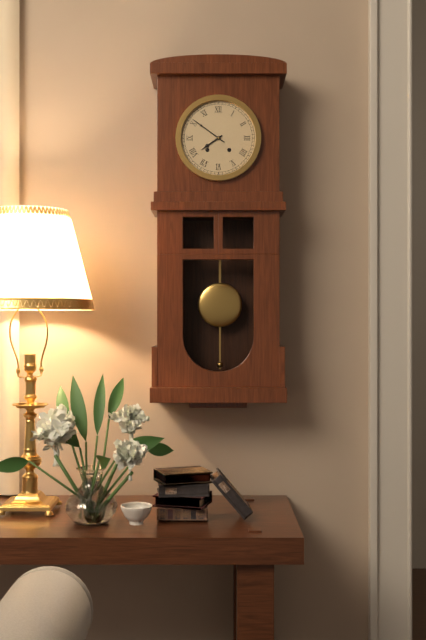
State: 7 h 51 min
